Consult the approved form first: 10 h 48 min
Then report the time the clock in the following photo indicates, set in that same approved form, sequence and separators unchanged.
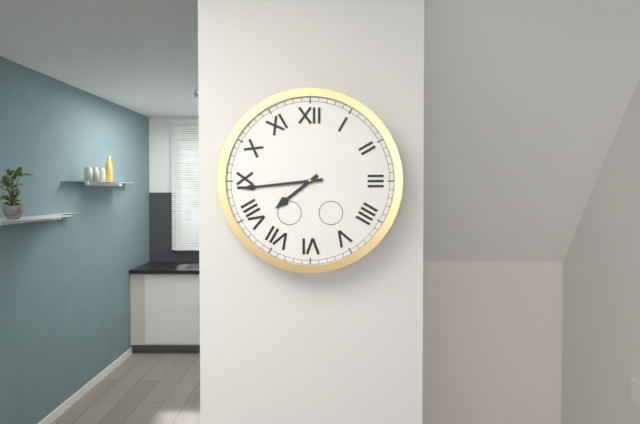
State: 7 h 44 min
